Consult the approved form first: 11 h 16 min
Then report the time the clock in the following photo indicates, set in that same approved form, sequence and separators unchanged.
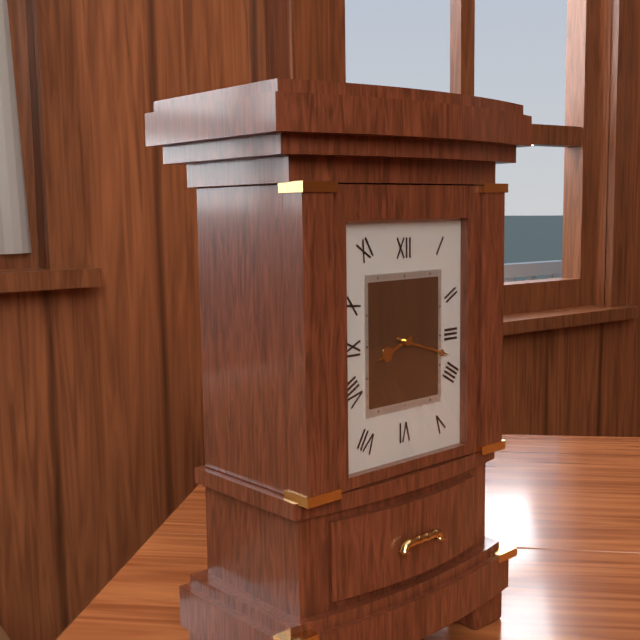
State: 8 h 18 min
